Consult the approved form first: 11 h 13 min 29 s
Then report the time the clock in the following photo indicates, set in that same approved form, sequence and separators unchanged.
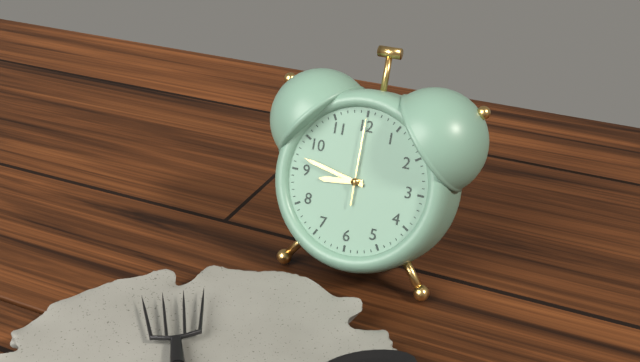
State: 8 h 47 min 00 s
